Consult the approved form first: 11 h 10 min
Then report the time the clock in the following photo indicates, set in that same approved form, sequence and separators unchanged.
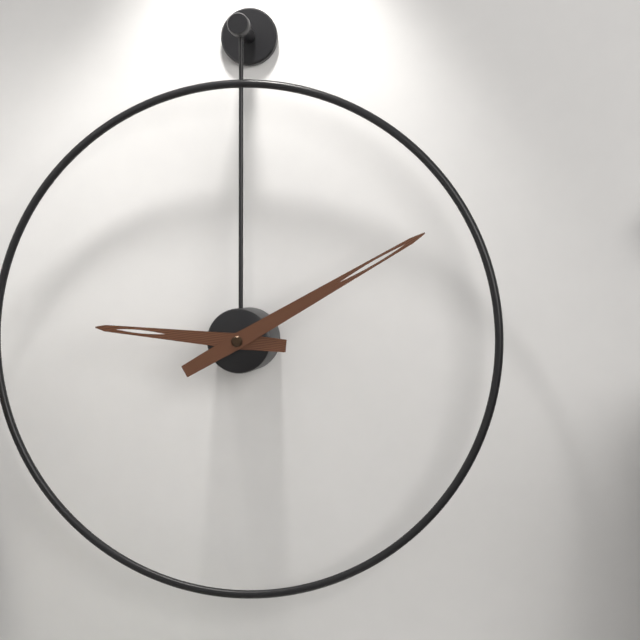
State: 9 h 10 min
